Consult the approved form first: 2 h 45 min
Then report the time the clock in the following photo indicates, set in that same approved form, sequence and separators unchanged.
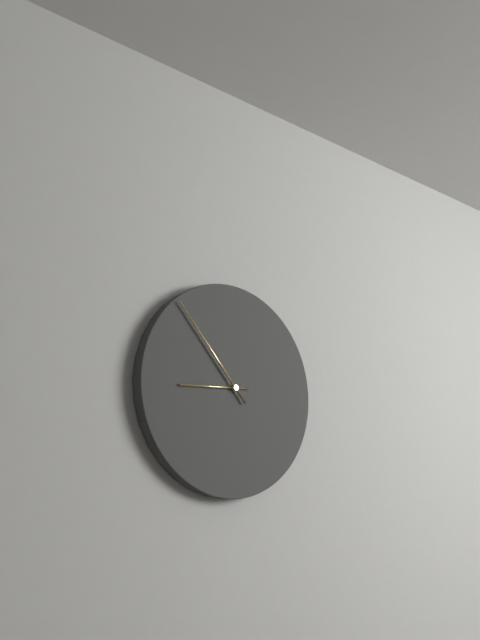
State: 8 h 53 min
